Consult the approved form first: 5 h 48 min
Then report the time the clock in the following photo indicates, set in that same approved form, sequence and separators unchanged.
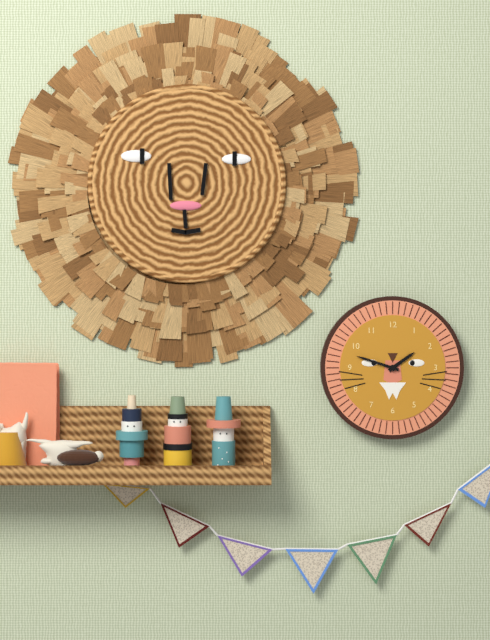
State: 1 h 48 min
